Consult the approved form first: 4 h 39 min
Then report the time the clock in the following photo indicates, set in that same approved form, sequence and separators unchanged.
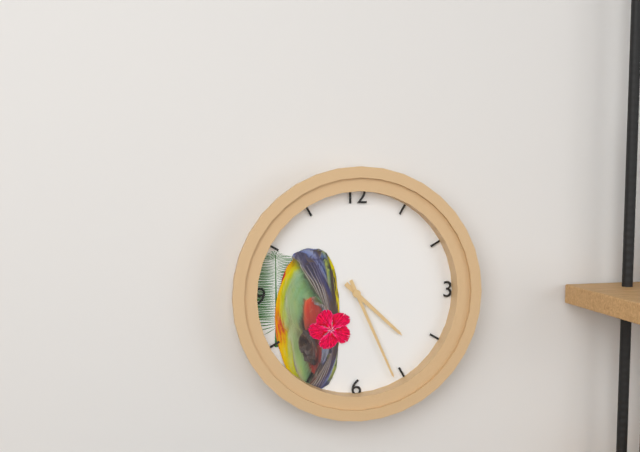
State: 4 h 26 min
